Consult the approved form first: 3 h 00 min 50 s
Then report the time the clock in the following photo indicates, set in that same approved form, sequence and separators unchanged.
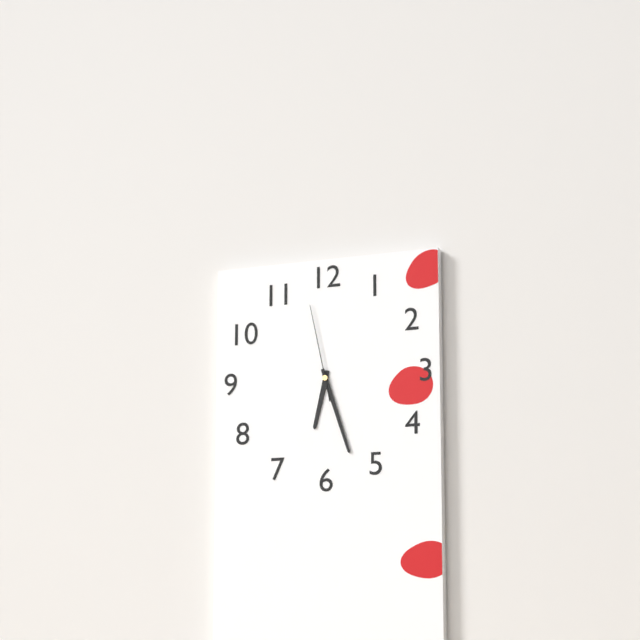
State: 6 h 27 min 58 s
